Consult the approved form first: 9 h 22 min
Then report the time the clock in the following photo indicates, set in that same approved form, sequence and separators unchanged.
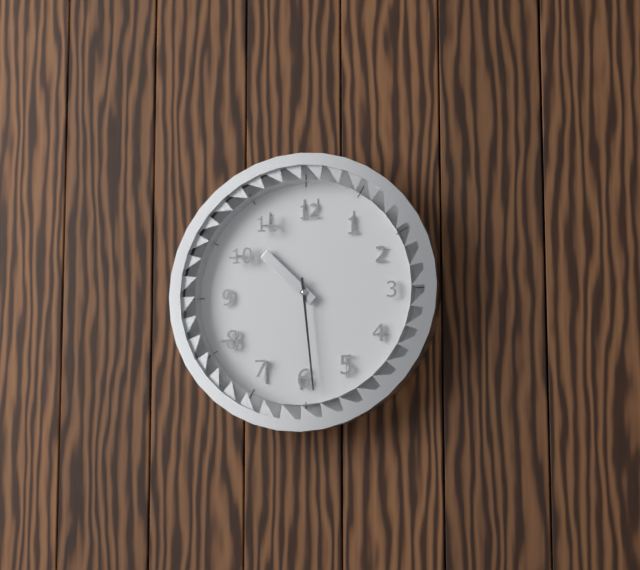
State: 10 h 29 min
